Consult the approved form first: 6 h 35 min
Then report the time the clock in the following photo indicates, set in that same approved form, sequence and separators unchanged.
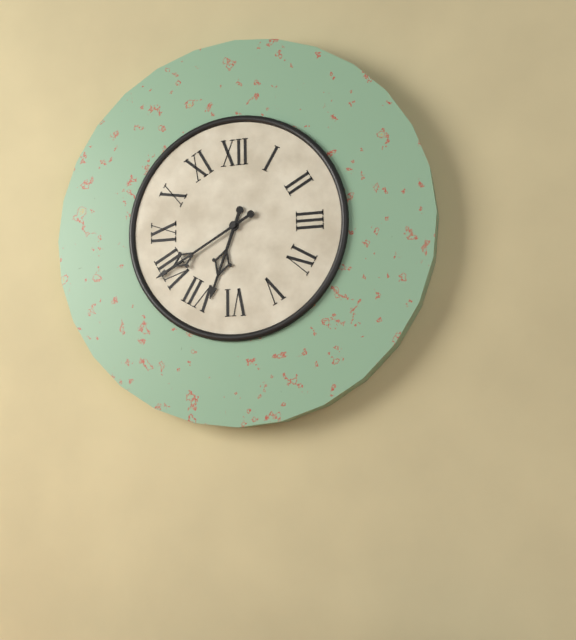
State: 6 h 40 min
